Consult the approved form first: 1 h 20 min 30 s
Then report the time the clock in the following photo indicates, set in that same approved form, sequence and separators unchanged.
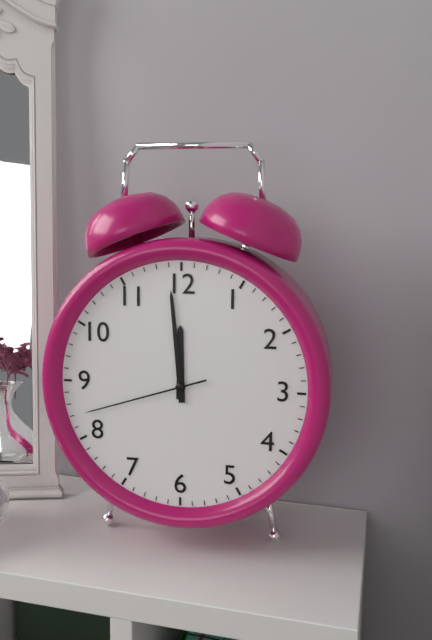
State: 11 h 59 min 42 s
